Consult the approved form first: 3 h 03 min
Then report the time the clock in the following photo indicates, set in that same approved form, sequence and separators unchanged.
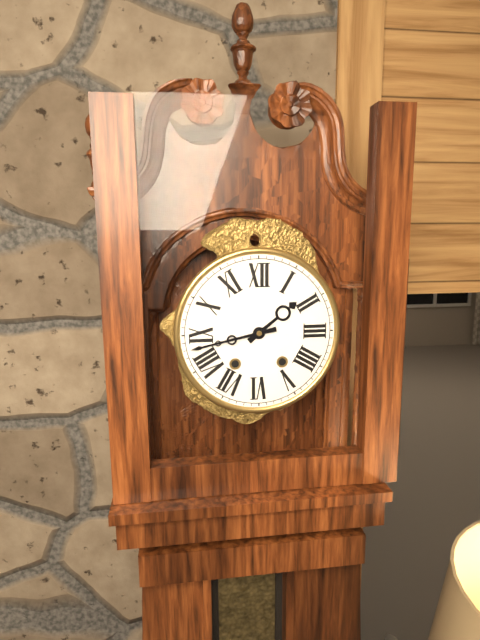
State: 1 h 43 min
